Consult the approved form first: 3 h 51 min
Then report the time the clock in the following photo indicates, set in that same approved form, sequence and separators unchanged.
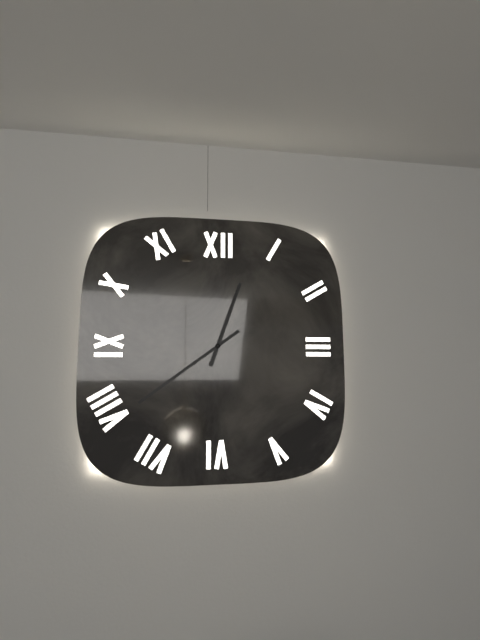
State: 12 h 39 min
